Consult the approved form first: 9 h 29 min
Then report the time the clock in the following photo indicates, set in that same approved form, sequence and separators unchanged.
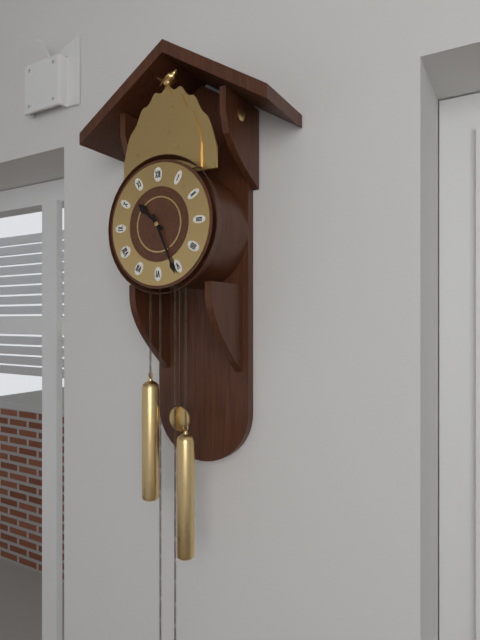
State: 10 h 26 min
